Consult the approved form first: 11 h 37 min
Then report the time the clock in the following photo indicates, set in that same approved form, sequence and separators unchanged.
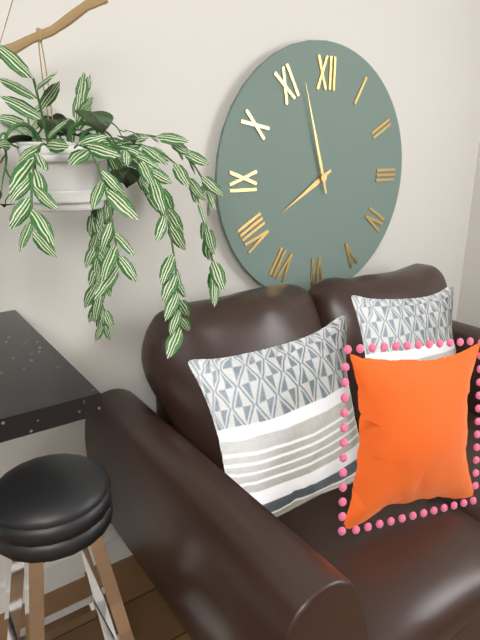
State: 7 h 57 min
